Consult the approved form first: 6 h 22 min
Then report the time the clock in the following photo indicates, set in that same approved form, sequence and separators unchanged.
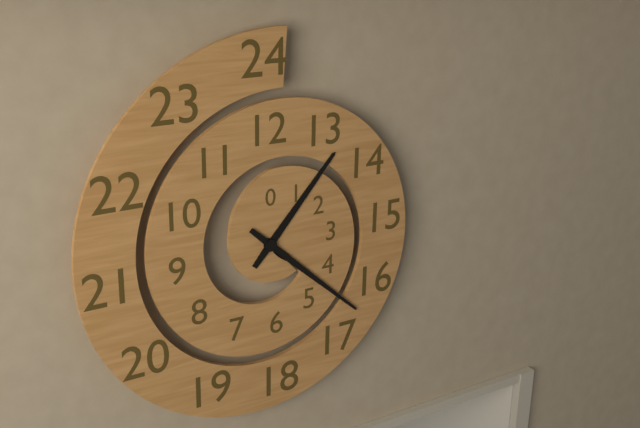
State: 1 h 22 min
